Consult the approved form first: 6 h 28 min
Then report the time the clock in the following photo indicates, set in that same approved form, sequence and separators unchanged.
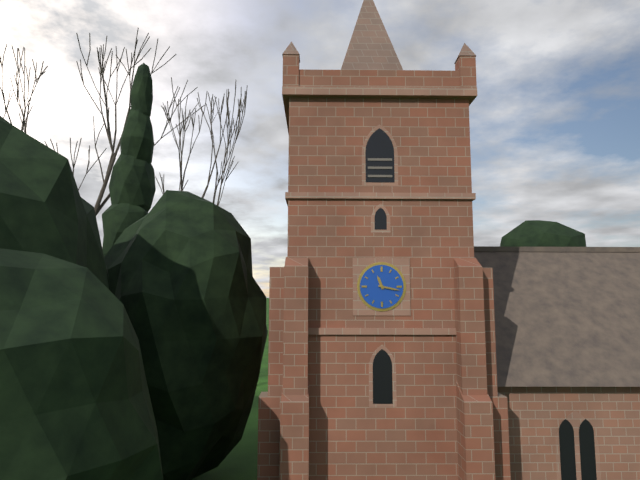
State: 11 h 17 min
